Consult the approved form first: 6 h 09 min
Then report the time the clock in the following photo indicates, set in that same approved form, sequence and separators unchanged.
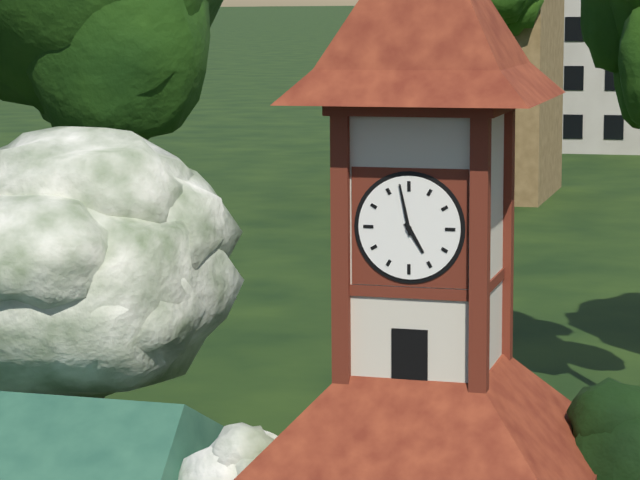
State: 4 h 58 min
